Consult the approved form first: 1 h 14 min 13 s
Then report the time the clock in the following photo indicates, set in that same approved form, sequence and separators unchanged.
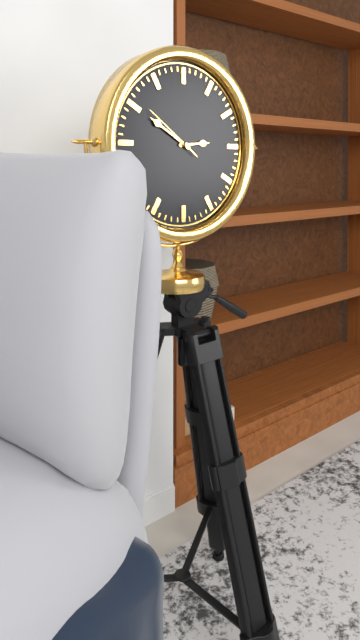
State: 2 h 50 min 51 s
